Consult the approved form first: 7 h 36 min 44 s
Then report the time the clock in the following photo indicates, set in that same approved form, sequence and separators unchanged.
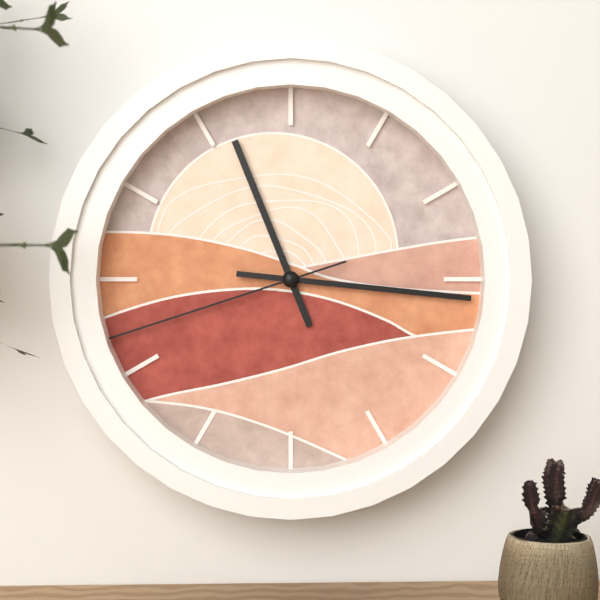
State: 11 h 16 min 42 s
